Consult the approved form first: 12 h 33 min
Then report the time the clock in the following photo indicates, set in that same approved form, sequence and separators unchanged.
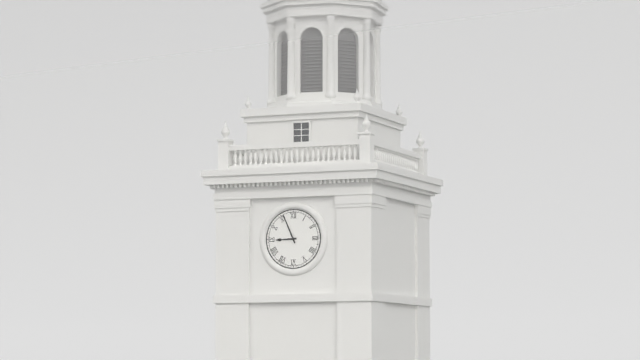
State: 8 h 56 min
